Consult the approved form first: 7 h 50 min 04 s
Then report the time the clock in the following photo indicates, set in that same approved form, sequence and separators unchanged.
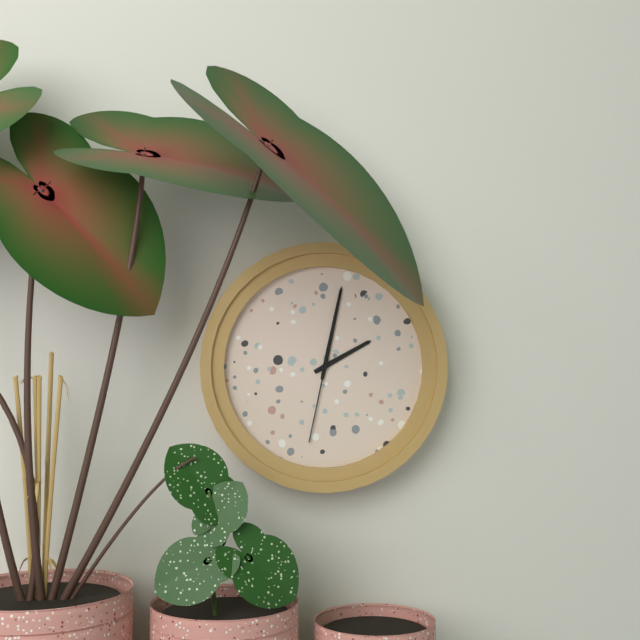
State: 2 h 02 min 32 s
